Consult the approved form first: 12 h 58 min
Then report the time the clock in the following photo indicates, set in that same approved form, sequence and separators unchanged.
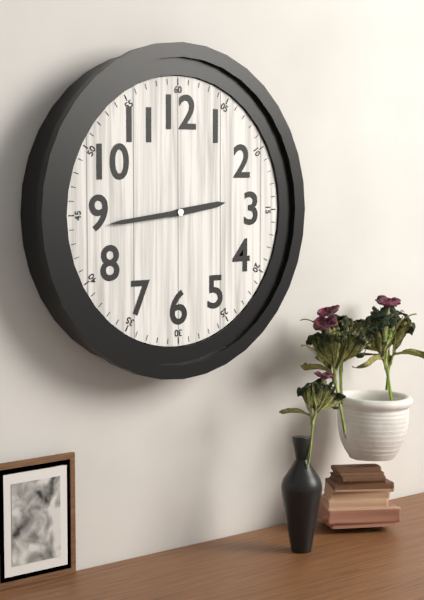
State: 2 h 44 min
